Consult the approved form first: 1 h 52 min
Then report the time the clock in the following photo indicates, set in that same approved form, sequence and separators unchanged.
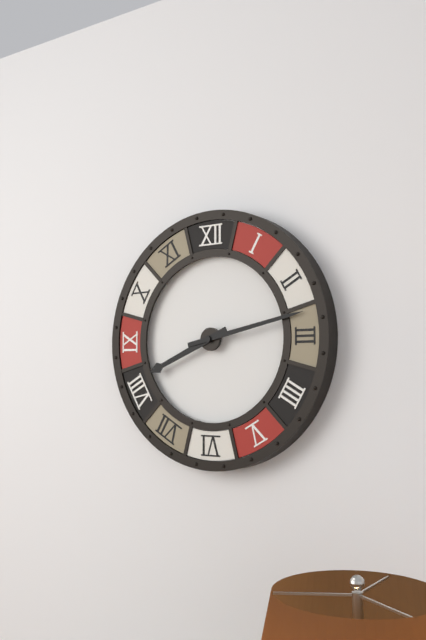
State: 8 h 13 min
